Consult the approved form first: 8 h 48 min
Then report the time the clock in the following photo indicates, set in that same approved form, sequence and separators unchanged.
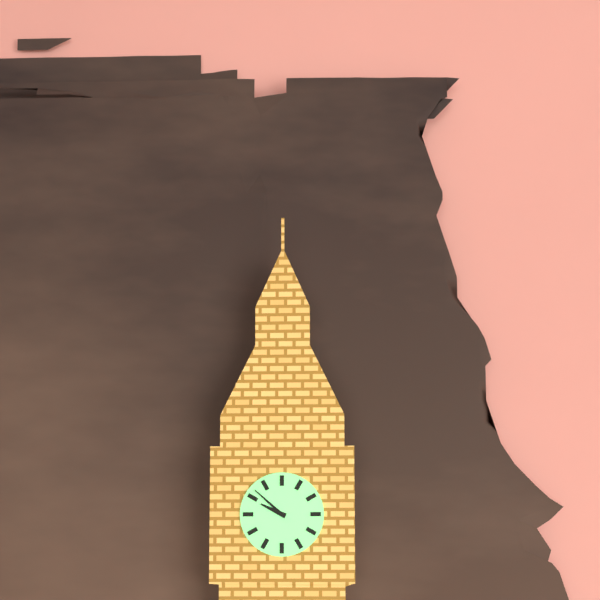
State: 9 h 52 min
